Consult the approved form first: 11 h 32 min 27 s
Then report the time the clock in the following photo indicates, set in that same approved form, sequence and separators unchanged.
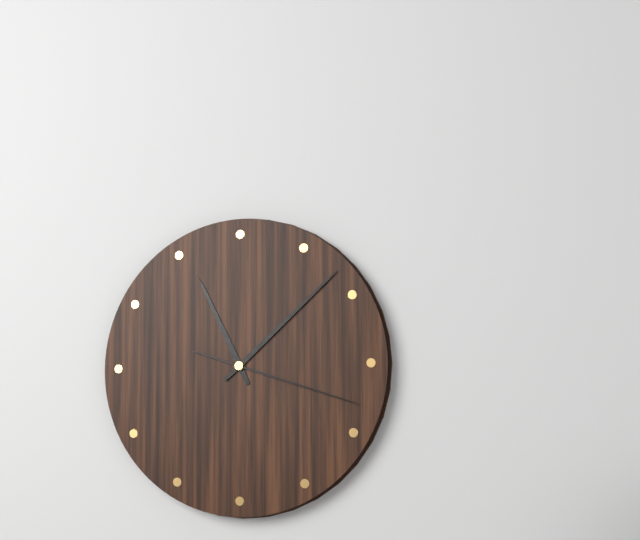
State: 11 h 08 min 18 s
